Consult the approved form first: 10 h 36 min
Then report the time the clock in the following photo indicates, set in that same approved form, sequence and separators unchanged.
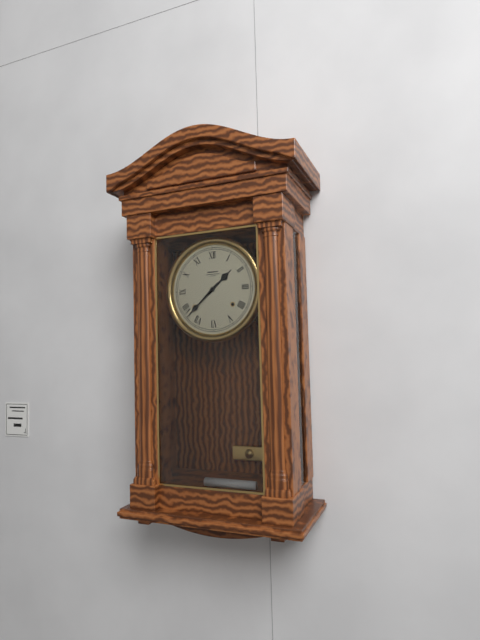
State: 1 h 38 min
